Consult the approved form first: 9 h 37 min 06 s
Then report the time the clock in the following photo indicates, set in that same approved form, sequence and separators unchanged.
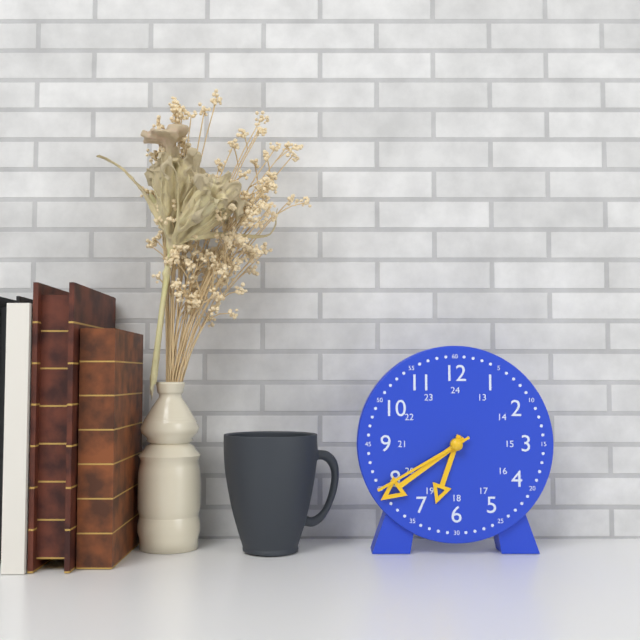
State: 6 h 39 min 40 s
